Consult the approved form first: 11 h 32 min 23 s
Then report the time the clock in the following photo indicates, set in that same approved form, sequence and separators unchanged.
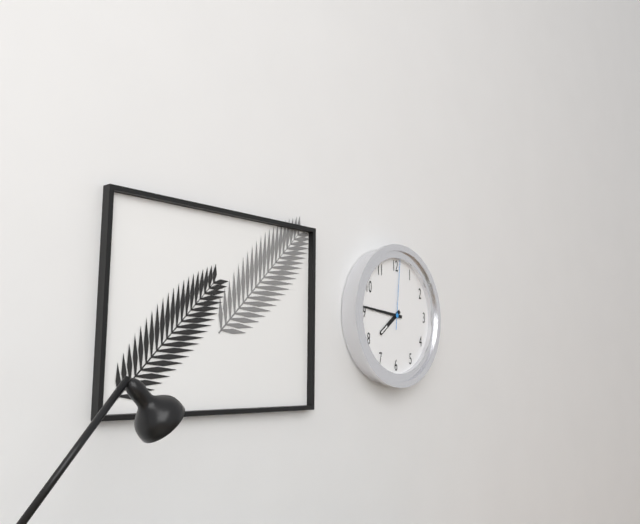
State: 7 h 46 min 01 s
